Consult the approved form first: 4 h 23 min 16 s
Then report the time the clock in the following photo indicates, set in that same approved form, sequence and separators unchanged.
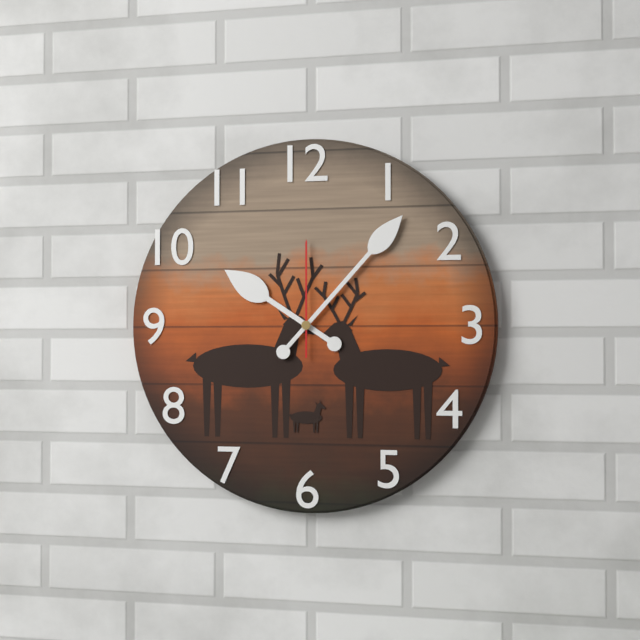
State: 10 h 07 min 00 s
